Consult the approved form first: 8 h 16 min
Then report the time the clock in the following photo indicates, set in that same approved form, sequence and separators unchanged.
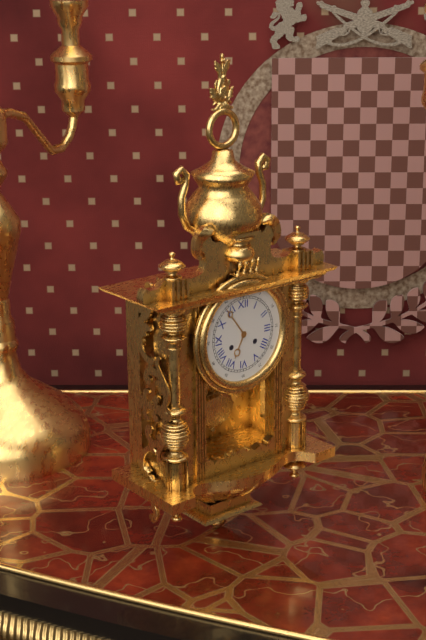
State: 6 h 54 min
